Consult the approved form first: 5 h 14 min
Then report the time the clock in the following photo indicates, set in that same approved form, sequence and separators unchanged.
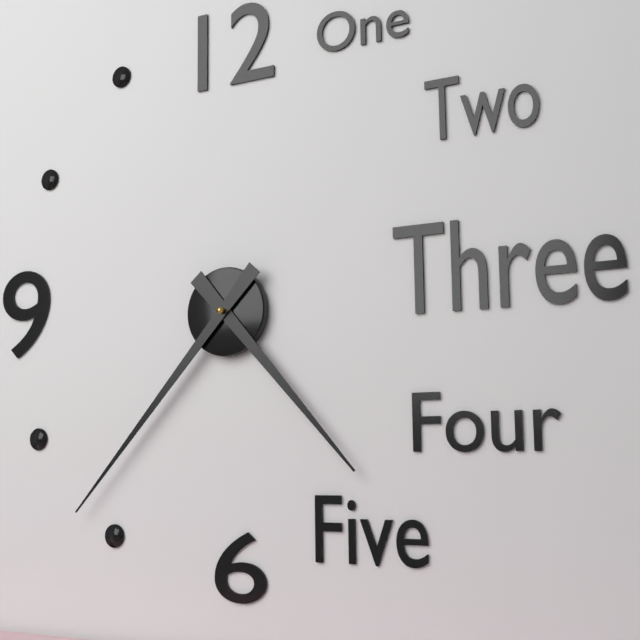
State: 4 h 37 min
